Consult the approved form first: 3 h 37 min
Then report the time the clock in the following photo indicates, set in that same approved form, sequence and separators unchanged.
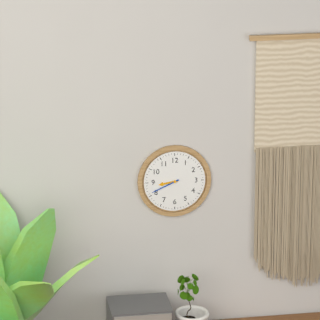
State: 8 h 41 min
